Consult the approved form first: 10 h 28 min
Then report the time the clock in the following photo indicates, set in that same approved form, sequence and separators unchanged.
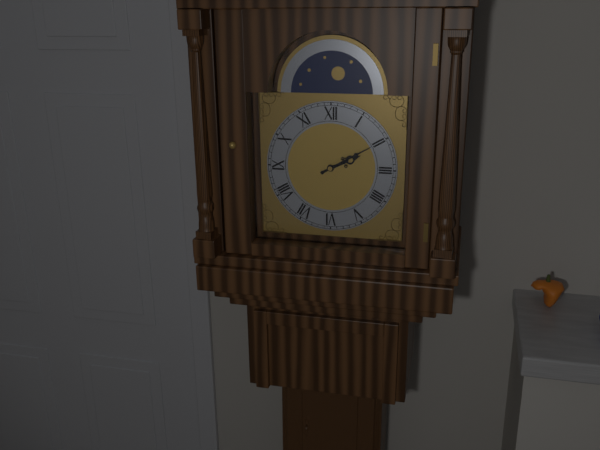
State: 2 h 10 min
